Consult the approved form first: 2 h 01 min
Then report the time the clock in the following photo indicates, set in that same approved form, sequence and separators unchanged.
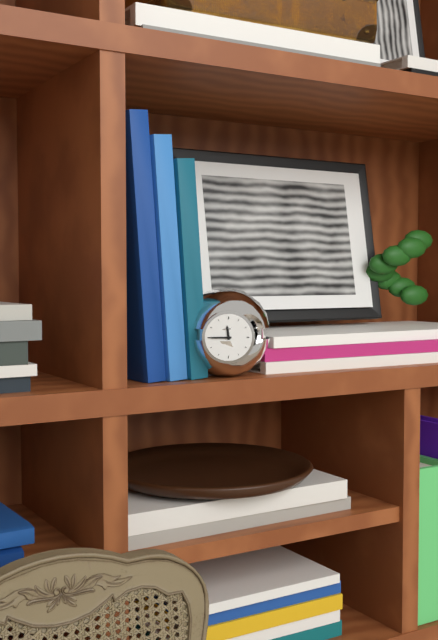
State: 11 h 45 min
